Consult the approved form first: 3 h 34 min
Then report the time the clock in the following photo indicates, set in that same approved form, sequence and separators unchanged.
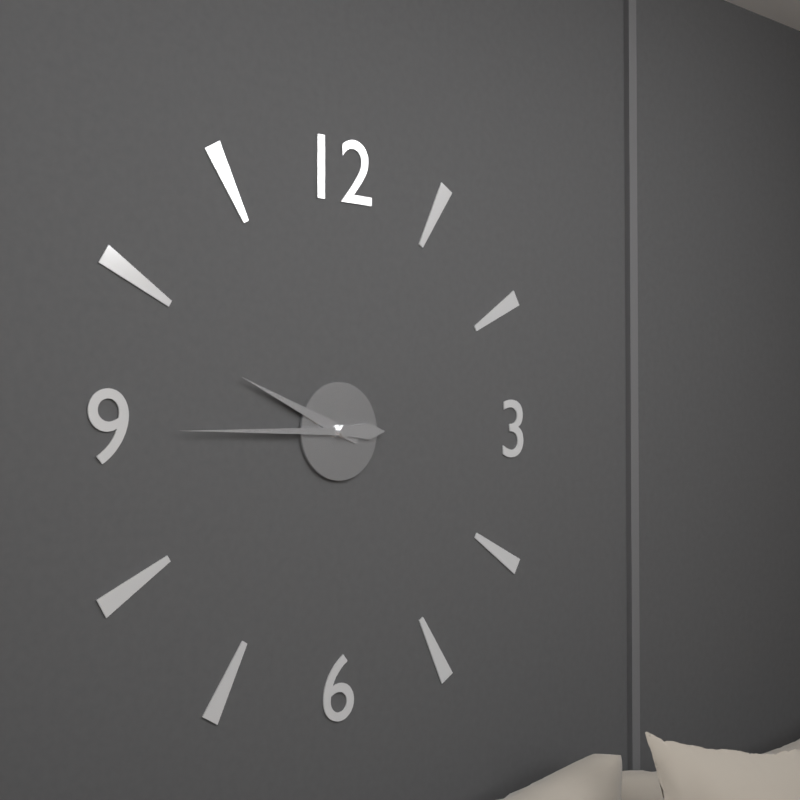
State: 9 h 45 min
